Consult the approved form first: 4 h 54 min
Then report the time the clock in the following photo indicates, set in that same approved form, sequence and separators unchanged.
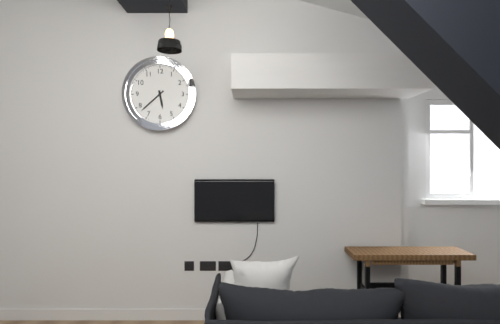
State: 5 h 38 min
